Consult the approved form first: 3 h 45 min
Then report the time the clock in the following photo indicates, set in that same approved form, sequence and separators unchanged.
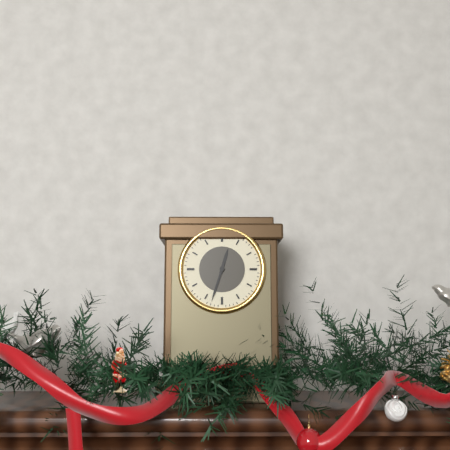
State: 12 h 33 min
